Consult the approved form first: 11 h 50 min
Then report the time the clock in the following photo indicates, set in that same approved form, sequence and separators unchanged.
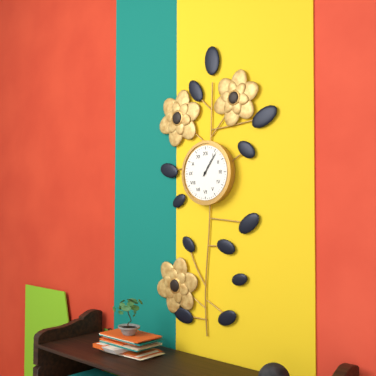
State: 1 h 06 min
